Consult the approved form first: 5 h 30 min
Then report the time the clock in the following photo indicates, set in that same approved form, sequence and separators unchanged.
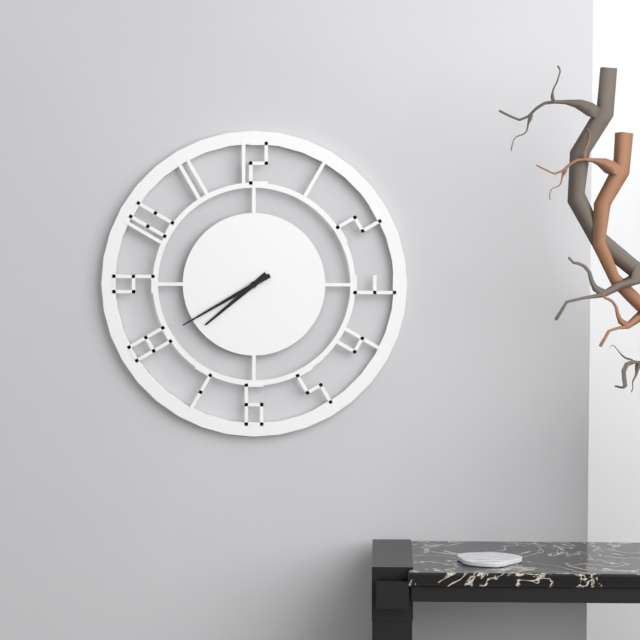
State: 7 h 40 min
